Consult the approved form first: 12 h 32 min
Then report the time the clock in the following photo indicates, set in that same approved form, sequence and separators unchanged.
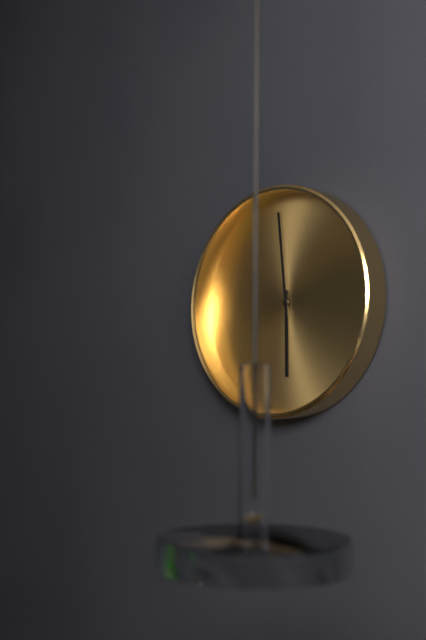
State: 5 h 59 min
